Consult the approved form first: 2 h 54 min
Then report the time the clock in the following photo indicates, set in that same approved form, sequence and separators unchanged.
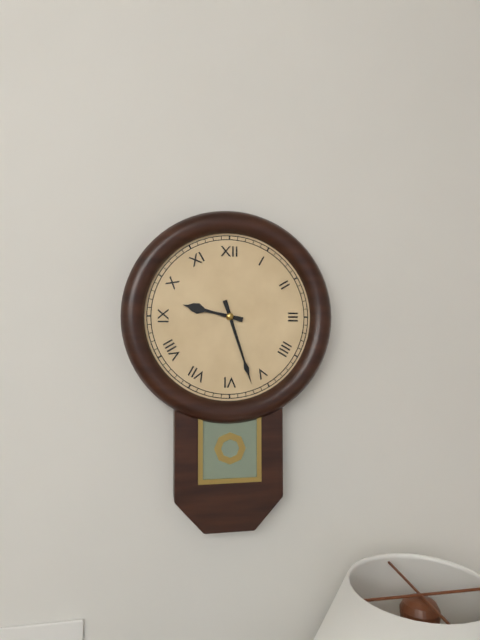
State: 9 h 27 min
